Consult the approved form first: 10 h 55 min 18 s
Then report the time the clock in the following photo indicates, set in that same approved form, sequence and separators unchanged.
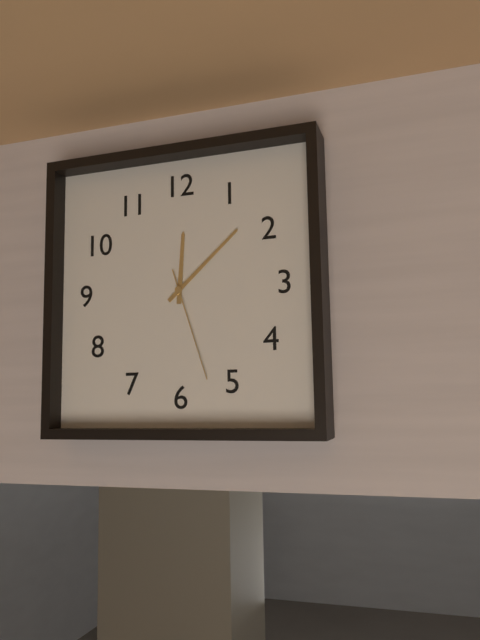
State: 12 h 08 min 27 s
